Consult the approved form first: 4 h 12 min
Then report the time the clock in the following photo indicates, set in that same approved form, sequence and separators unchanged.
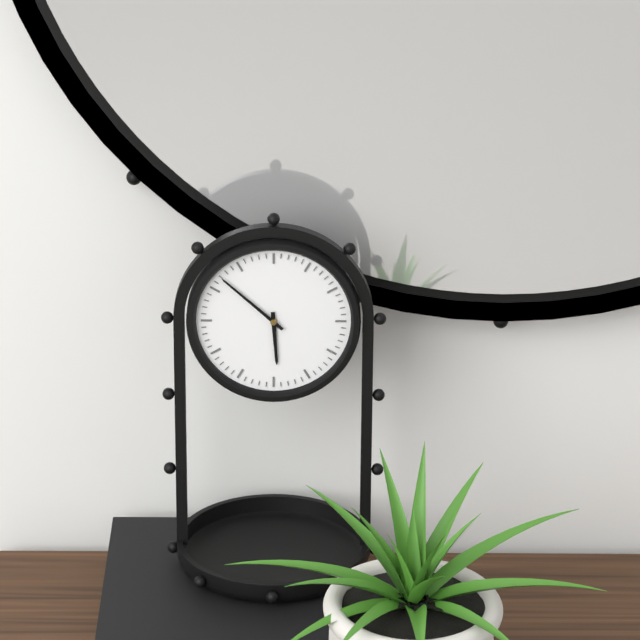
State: 5 h 52 min
